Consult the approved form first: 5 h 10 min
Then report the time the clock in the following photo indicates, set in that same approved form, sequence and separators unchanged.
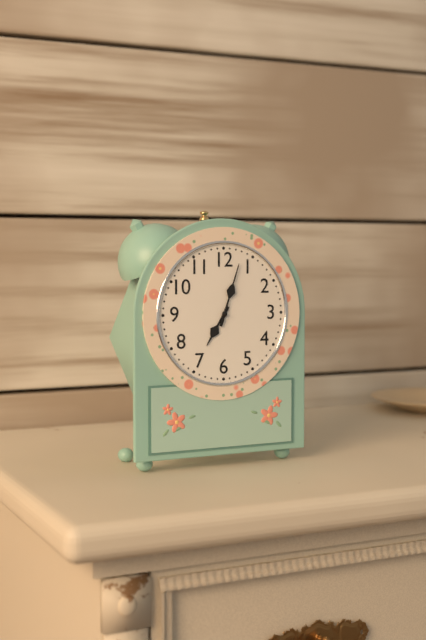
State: 7 h 03 min
